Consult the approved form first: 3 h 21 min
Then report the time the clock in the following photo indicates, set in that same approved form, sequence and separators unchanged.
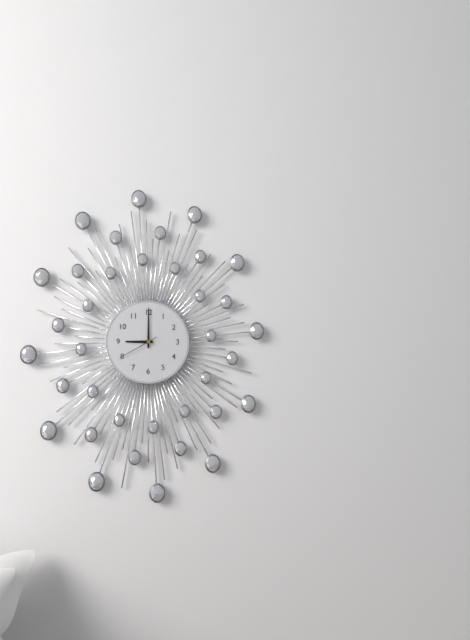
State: 9 h 00 min
